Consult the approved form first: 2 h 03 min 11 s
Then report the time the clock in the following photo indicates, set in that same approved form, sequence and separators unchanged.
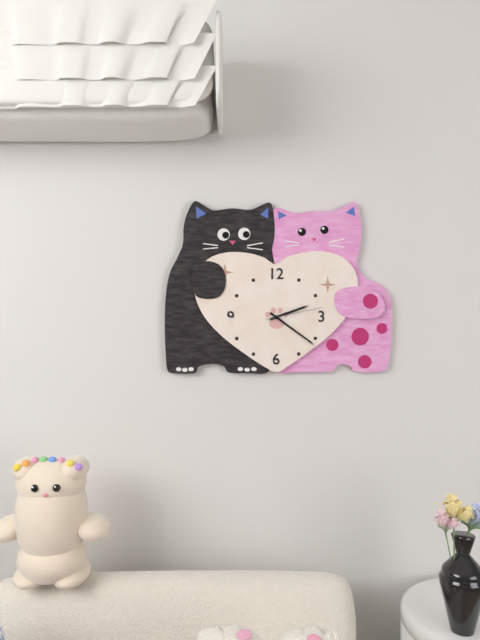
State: 2 h 21 min 13 s
